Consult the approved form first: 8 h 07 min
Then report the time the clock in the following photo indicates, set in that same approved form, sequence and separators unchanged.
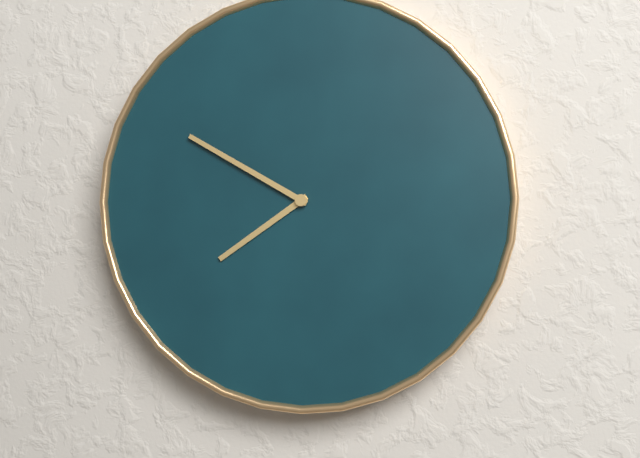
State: 7 h 50 min
